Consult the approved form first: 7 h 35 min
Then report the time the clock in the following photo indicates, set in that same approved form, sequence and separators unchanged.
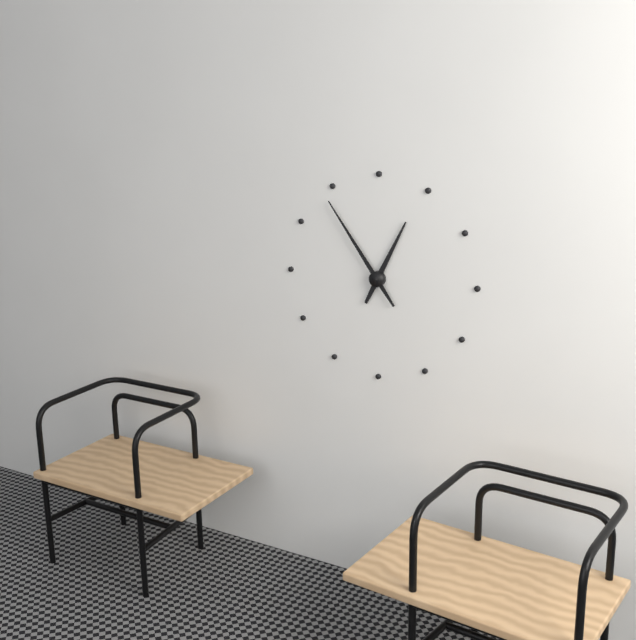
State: 12 h 54 min
